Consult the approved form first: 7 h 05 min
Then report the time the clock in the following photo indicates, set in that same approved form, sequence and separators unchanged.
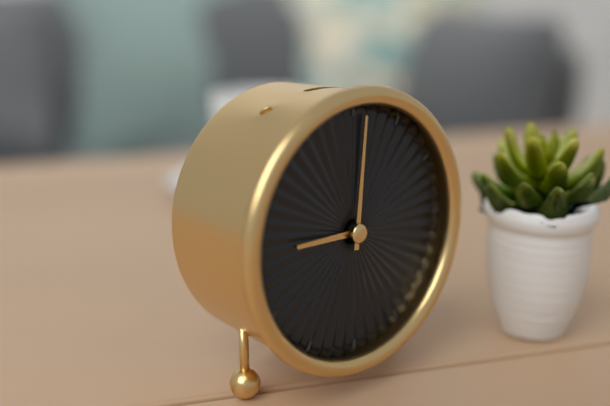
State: 9 h 01 min
